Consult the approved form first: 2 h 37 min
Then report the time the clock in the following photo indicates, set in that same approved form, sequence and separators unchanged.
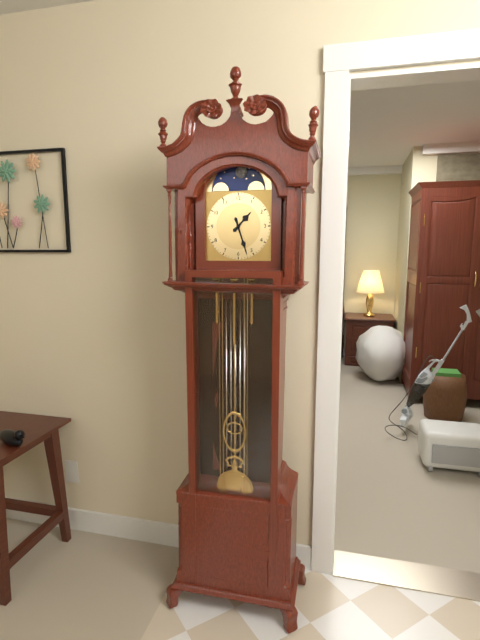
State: 1 h 27 min
